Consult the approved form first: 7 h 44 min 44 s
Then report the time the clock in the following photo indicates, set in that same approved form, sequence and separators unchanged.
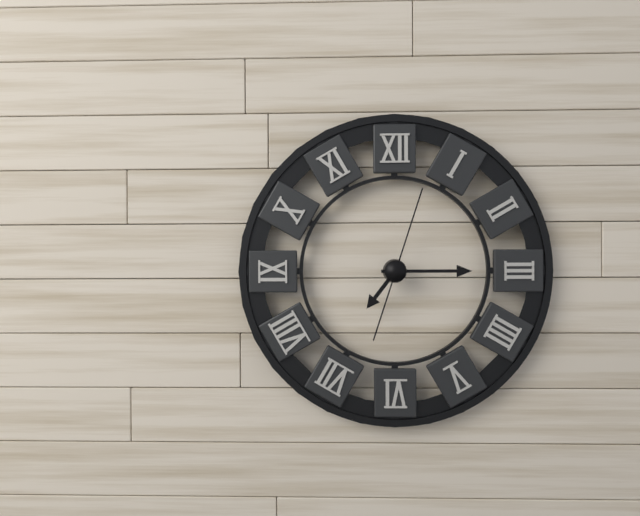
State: 7 h 15 min 03 s
